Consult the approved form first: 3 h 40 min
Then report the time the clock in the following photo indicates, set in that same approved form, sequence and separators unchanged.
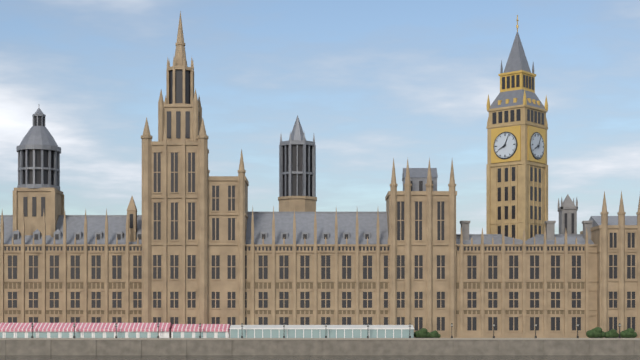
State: 8 h 04 min
